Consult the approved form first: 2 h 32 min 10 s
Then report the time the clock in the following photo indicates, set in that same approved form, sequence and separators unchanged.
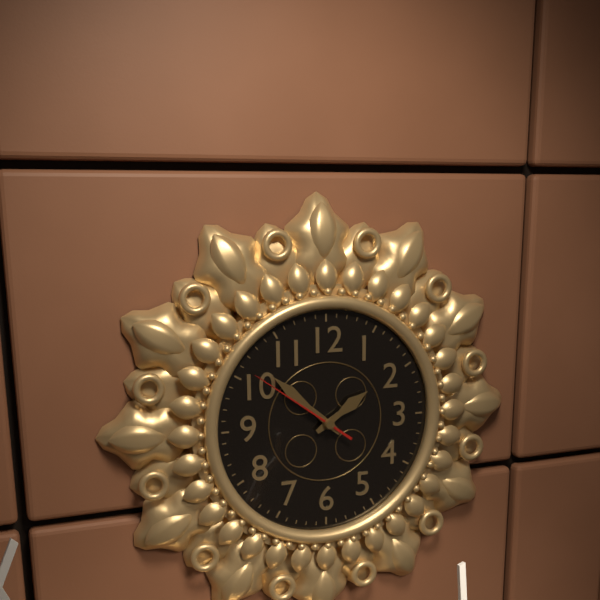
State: 1 h 52 min 51 s
